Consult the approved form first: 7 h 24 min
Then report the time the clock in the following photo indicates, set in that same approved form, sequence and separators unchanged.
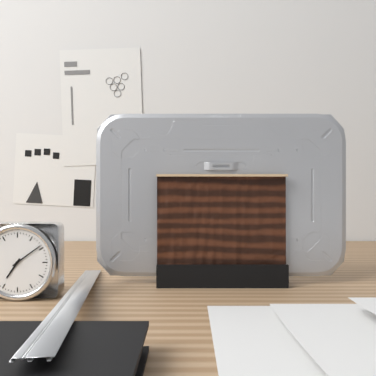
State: 7 h 09 min
